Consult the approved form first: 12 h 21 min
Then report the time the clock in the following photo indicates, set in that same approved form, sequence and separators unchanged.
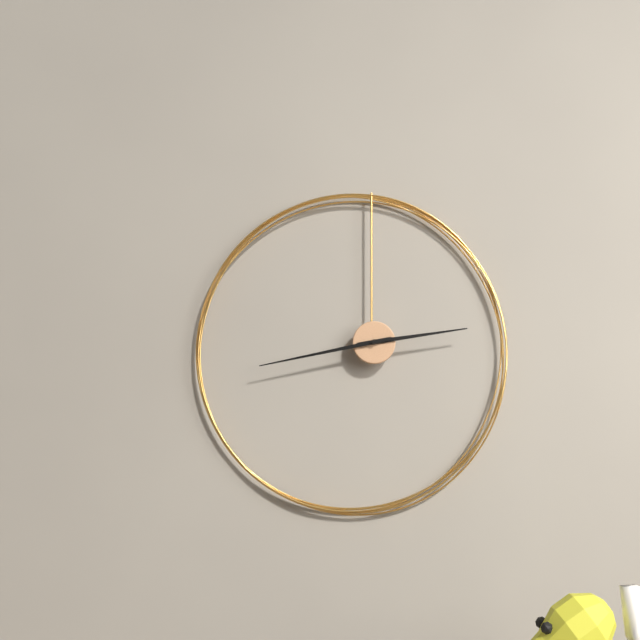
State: 2 h 43 min
